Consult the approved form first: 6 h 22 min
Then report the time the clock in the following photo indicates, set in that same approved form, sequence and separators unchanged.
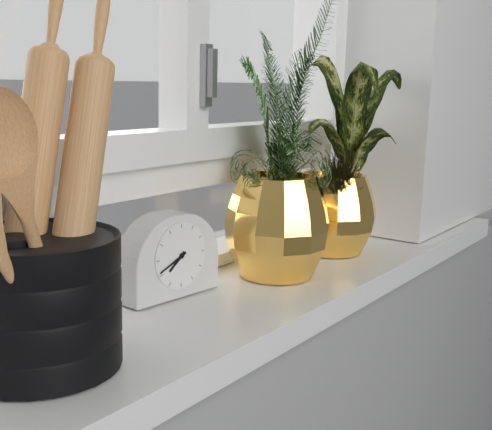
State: 7 h 41 min
